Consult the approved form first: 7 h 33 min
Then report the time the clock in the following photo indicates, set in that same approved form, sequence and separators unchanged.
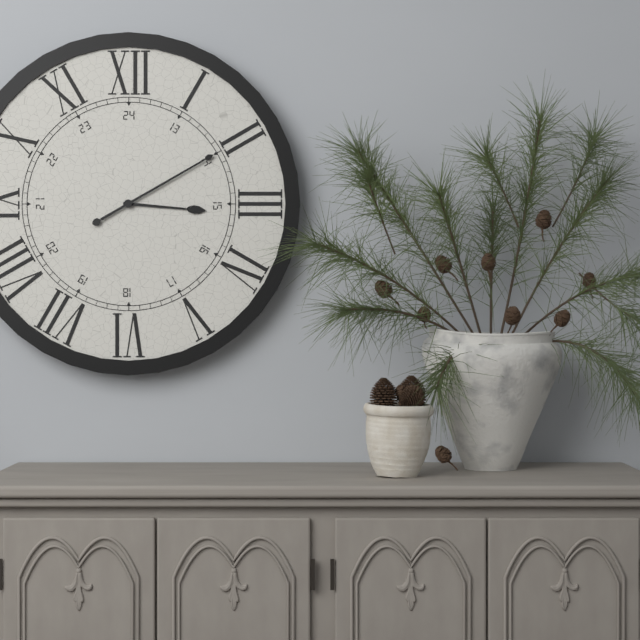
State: 3 h 10 min
